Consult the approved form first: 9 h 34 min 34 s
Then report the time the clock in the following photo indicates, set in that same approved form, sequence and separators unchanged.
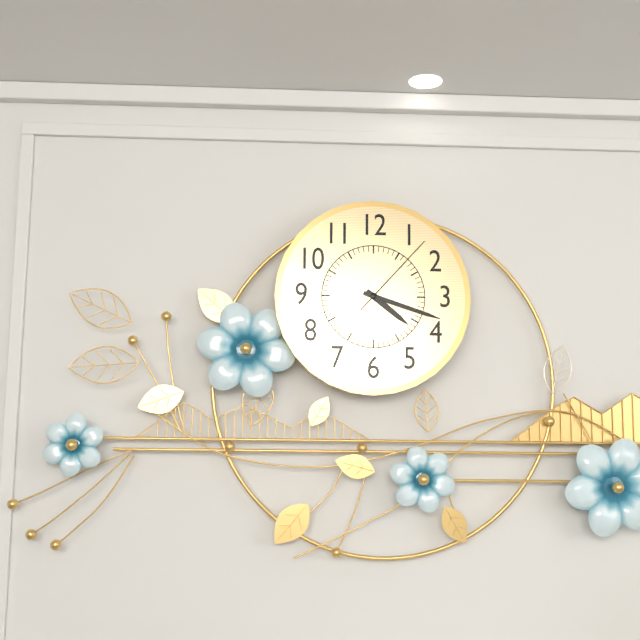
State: 4 h 18 min 07 s
